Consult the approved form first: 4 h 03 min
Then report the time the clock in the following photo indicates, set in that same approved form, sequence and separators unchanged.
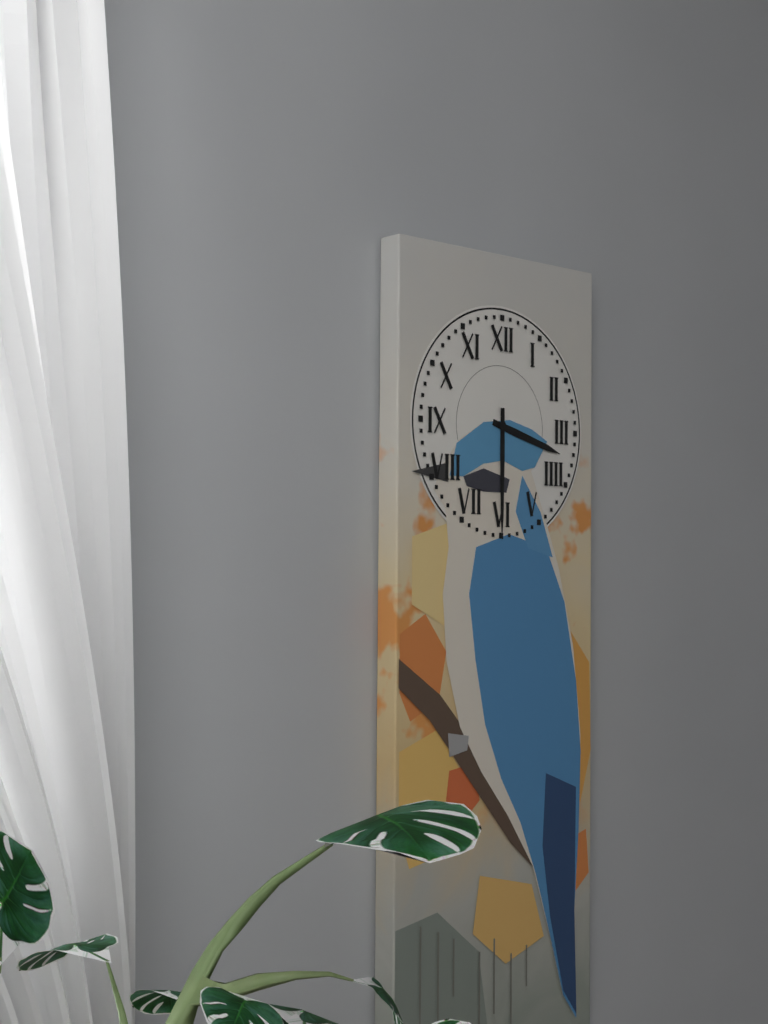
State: 3 h 30 min
